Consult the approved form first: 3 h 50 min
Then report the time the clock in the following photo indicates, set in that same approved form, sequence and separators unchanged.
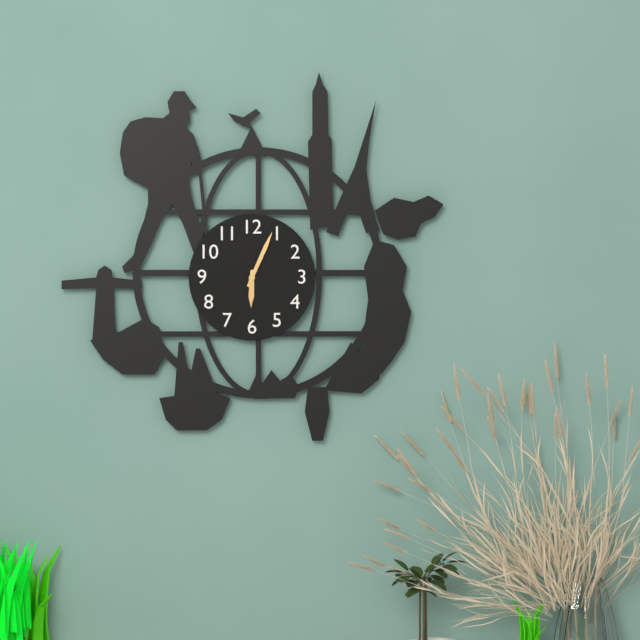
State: 6 h 04 min
